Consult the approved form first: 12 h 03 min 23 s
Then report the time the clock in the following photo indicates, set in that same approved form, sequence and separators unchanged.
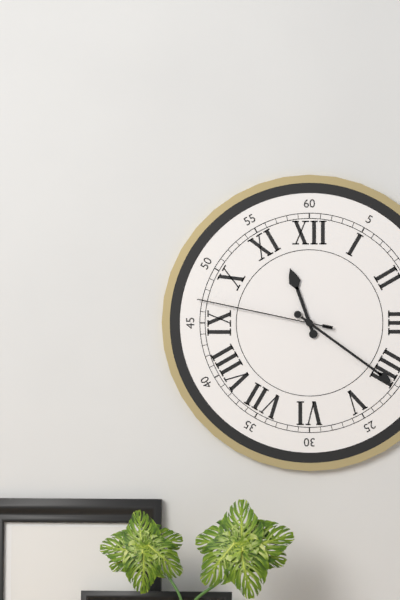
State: 11 h 21 min 47 s
